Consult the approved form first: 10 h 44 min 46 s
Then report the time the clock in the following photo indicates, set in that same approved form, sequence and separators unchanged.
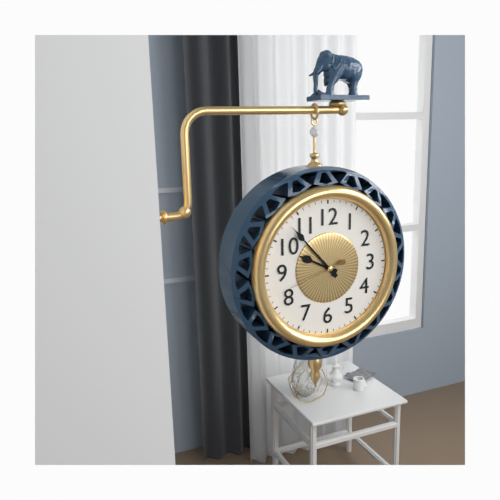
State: 9 h 53 min 42 s
